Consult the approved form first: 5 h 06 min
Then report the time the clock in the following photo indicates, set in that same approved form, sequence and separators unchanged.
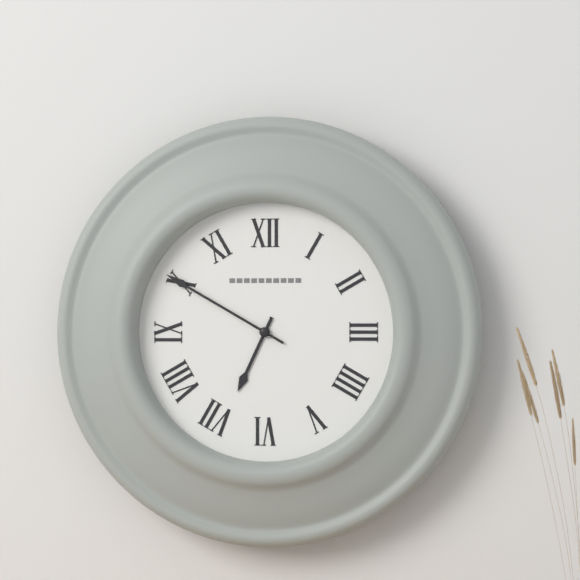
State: 6 h 50 min
